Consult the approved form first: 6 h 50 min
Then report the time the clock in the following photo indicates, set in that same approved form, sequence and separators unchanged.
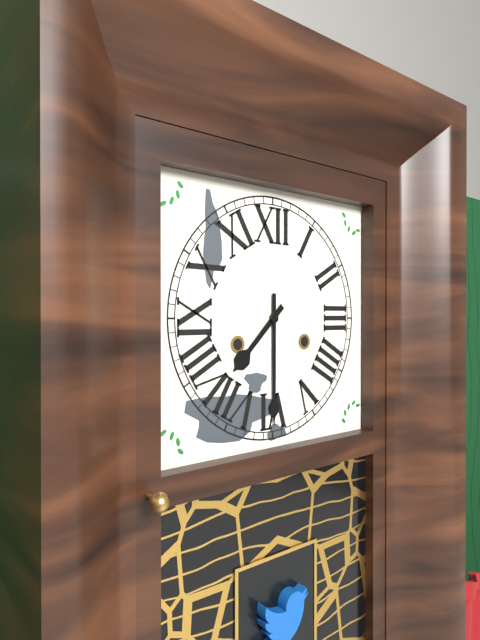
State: 7 h 30 min
